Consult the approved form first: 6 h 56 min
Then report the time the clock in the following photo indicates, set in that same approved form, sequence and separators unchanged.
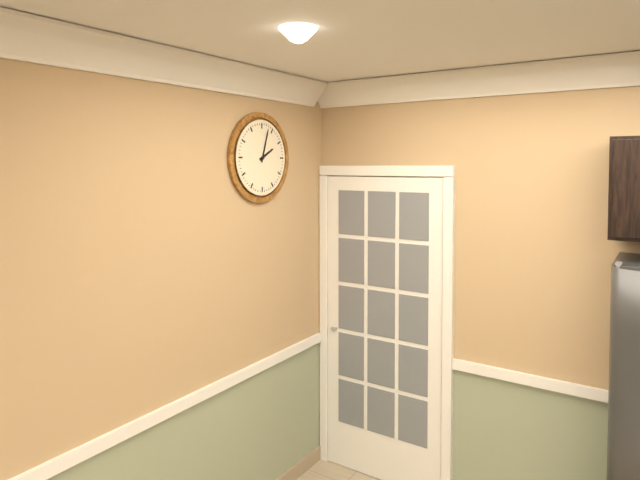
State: 2 h 03 min
